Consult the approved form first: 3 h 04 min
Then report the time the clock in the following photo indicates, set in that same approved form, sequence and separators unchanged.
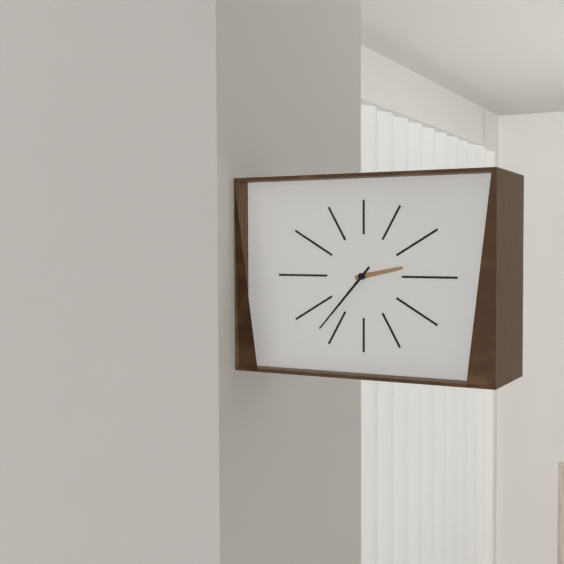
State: 2 h 37 min
